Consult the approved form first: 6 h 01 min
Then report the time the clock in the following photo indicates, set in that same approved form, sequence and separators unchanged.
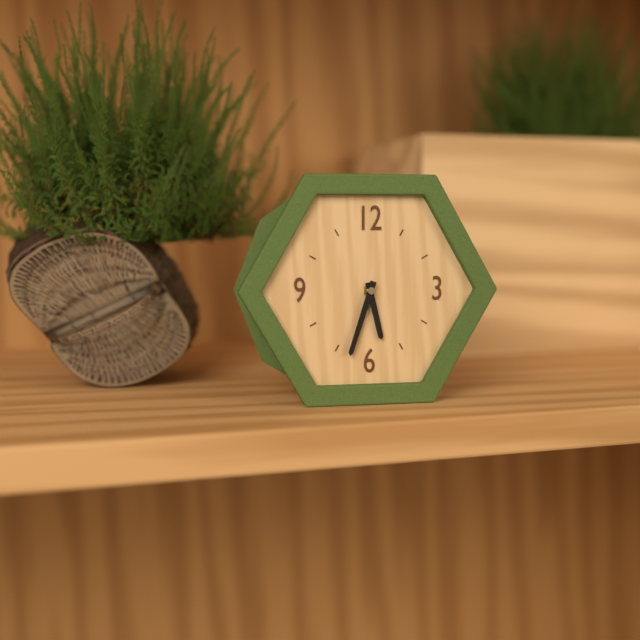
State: 5 h 33 min
